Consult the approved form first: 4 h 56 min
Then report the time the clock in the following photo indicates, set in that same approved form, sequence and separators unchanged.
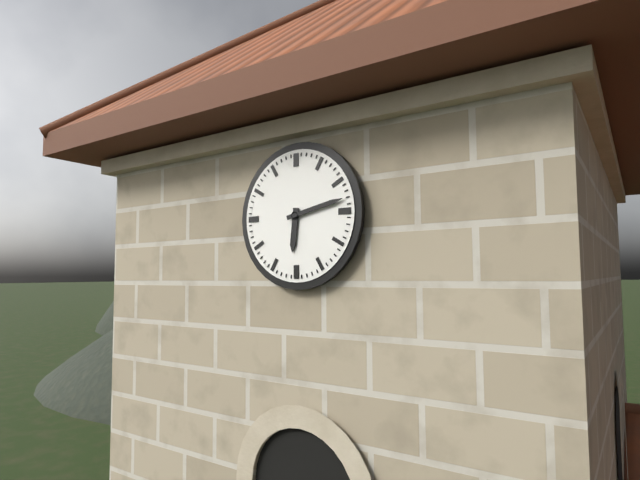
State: 6 h 13 min
